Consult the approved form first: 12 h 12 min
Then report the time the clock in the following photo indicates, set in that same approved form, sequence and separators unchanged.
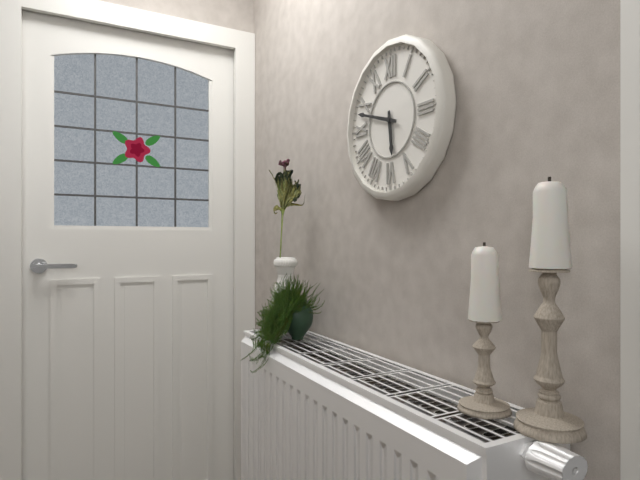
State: 5 h 48 min
